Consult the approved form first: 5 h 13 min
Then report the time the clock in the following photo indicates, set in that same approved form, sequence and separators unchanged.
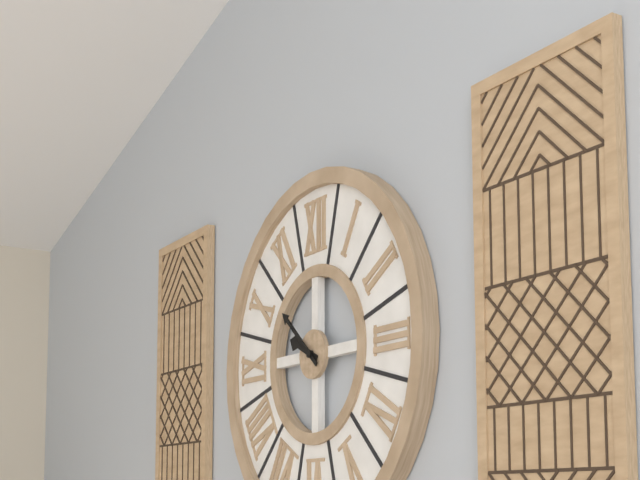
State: 9 h 52 min
